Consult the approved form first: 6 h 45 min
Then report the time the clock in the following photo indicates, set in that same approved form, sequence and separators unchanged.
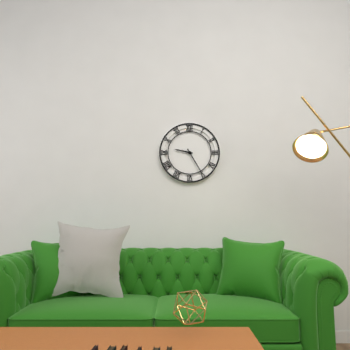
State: 9 h 25 min
